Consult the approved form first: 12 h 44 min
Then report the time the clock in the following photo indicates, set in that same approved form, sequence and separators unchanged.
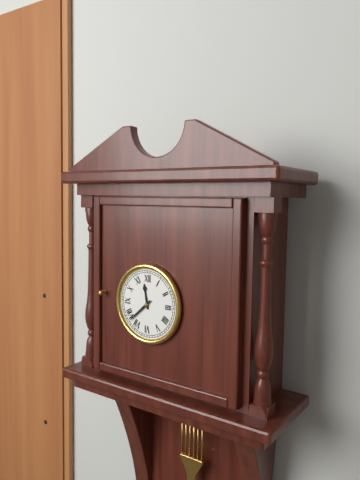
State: 11 h 38 min
